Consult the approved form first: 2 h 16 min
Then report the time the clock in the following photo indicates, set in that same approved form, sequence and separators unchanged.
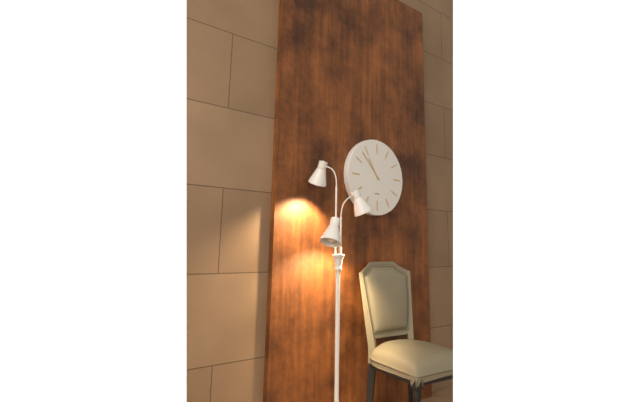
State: 10 h 53 min
